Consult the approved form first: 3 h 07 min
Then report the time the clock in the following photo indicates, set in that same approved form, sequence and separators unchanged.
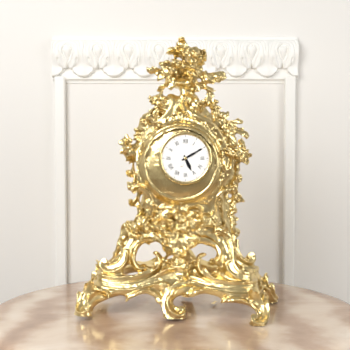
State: 5 h 10 min
